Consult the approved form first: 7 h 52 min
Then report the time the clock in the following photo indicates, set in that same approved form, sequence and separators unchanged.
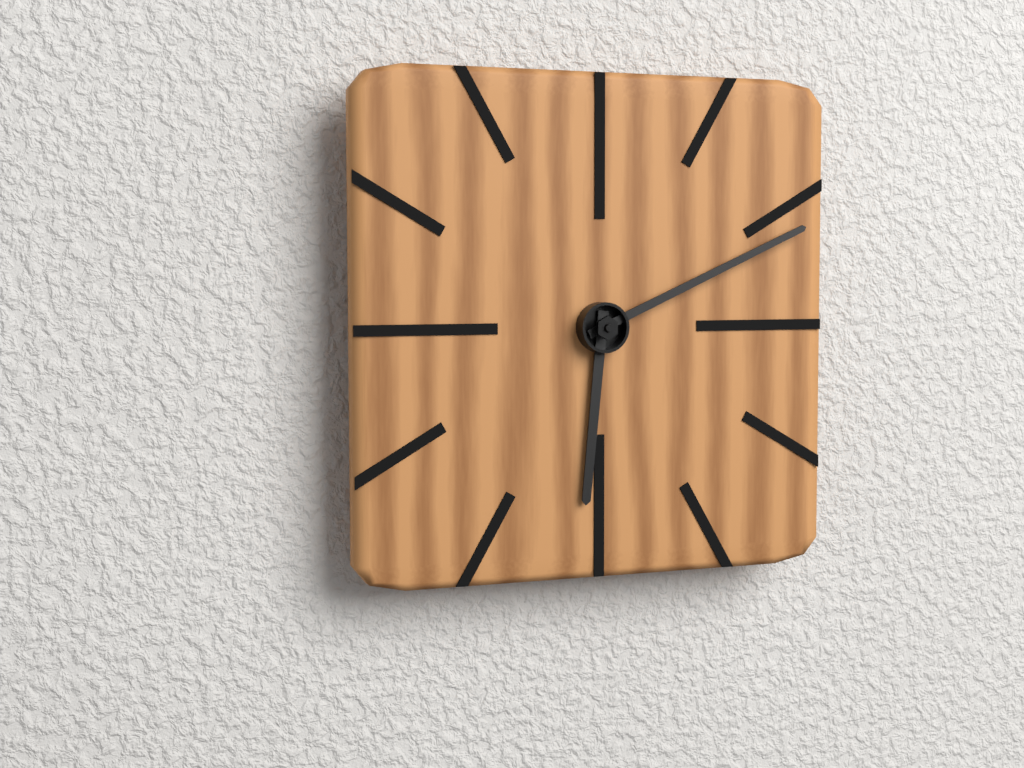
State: 6 h 11 min
